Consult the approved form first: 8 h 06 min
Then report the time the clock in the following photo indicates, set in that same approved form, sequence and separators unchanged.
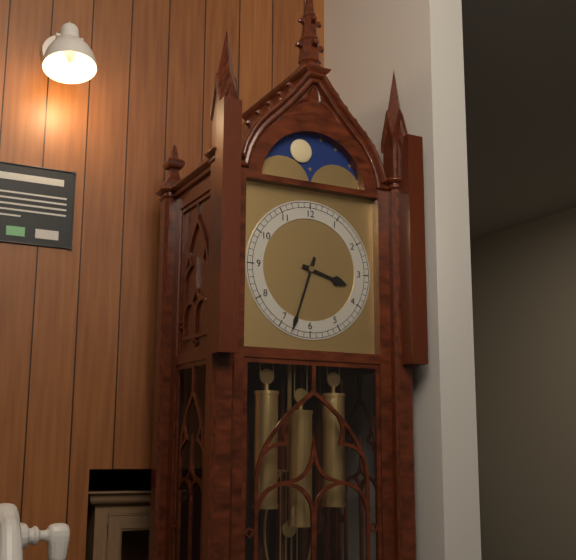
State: 3 h 33 min
